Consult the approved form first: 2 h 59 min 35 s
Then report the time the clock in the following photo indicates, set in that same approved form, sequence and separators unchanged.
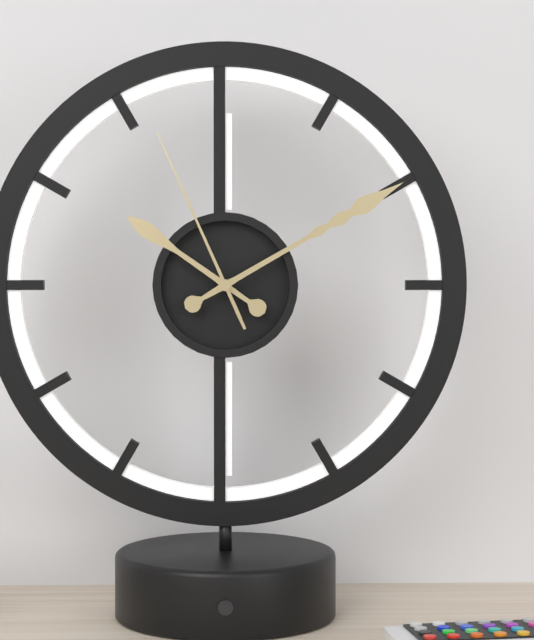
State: 10 h 10 min 56 s
